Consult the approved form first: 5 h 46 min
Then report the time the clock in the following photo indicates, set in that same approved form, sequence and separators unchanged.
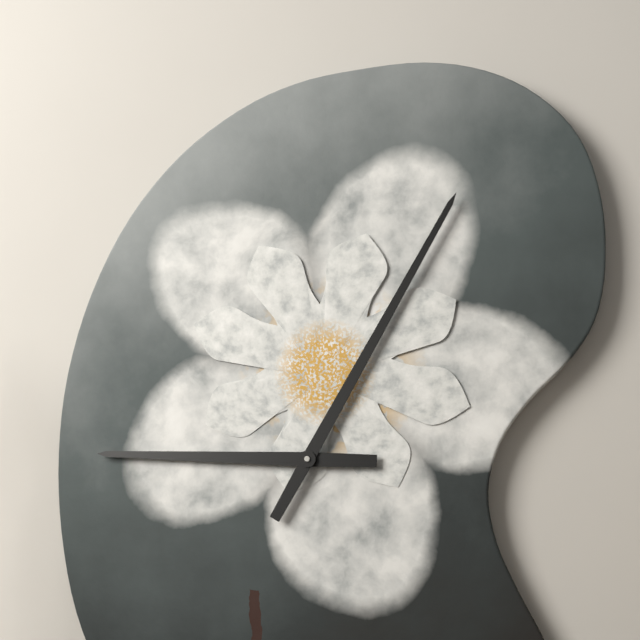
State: 9 h 05 min
